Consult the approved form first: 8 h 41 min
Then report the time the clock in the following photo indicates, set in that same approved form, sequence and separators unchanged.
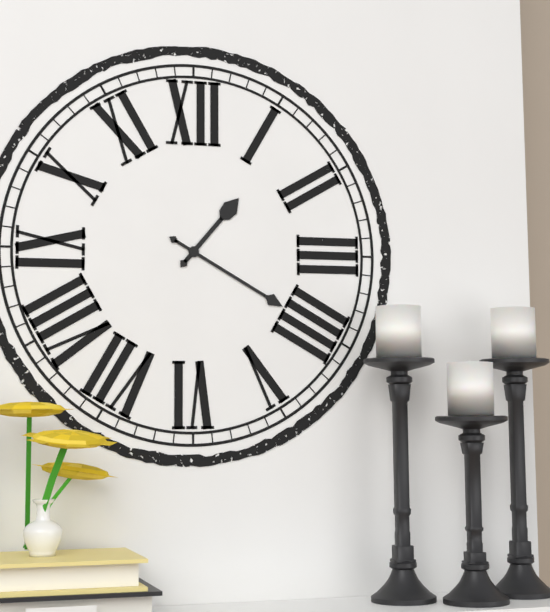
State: 1 h 20 min
